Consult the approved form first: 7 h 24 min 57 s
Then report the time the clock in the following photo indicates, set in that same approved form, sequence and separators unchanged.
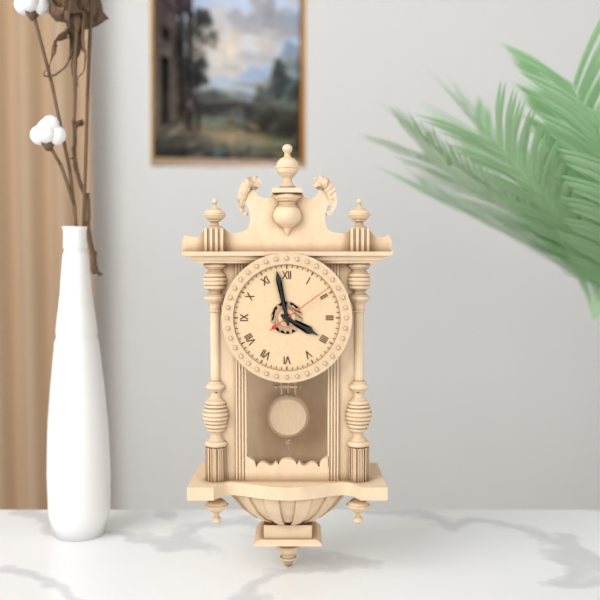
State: 3 h 58 min 09 s
